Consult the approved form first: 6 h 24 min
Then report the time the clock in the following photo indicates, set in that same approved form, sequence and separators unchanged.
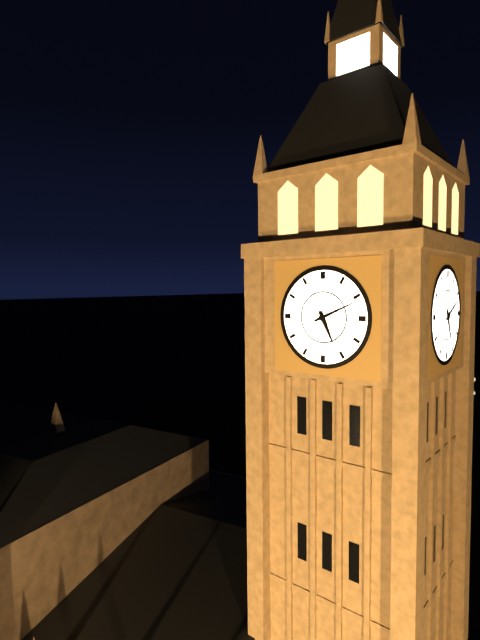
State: 5 h 11 min
